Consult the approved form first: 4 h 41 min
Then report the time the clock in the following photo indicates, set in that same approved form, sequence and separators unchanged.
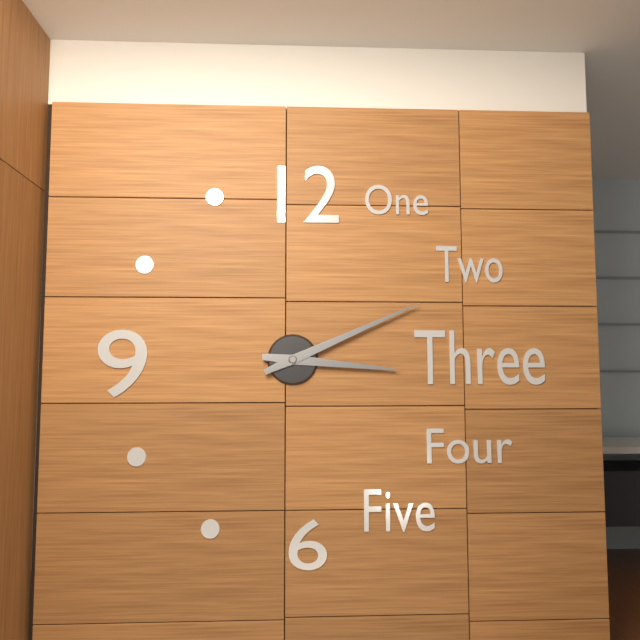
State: 3 h 11 min
